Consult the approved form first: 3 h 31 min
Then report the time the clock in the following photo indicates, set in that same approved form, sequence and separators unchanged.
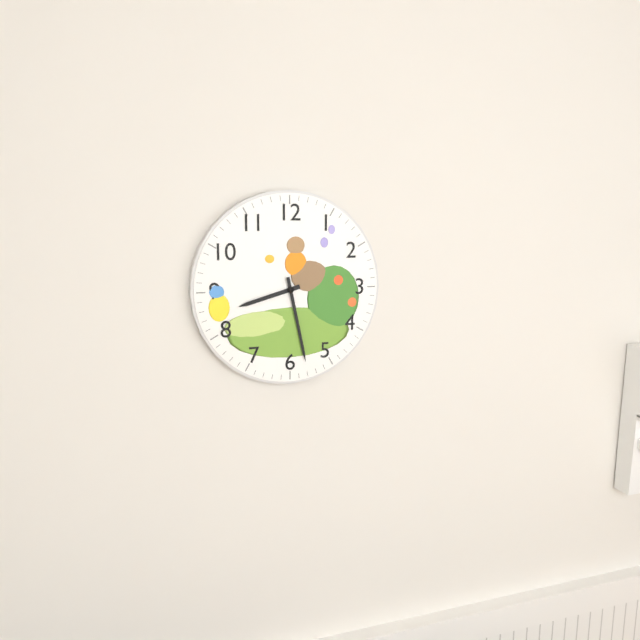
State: 8 h 28 min
